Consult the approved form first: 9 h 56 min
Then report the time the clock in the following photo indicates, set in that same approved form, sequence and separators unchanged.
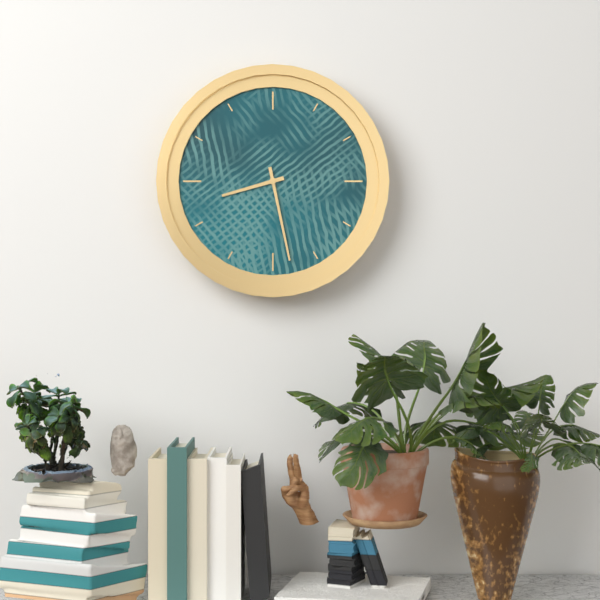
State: 8 h 28 min
